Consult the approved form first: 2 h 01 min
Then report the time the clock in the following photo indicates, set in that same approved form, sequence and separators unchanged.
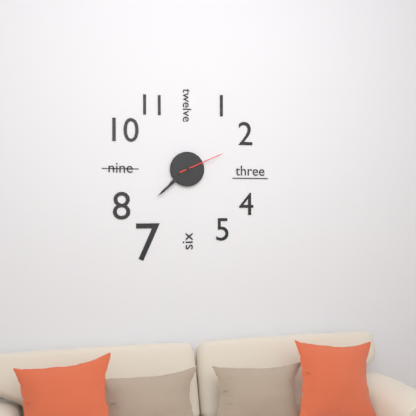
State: 7 h 38 min
